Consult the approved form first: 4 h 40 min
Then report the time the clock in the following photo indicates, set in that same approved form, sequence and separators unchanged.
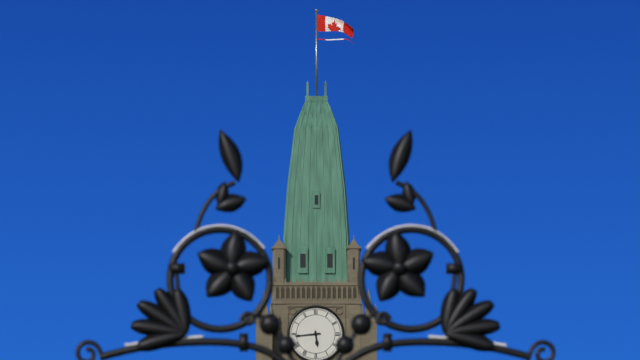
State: 5 h 44 min
